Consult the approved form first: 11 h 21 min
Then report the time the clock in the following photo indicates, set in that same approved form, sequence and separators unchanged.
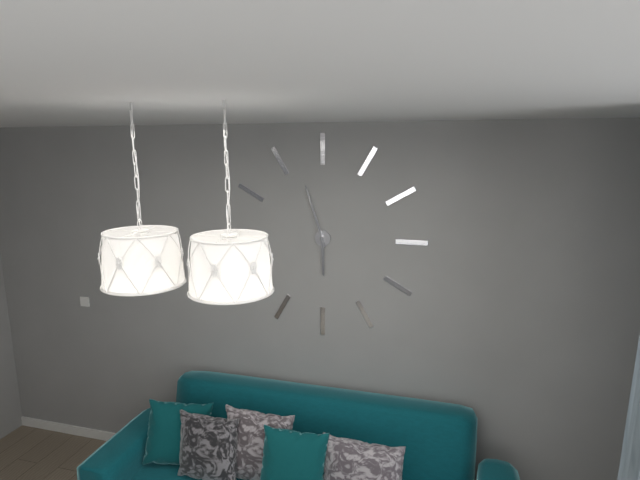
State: 5 h 57 min
